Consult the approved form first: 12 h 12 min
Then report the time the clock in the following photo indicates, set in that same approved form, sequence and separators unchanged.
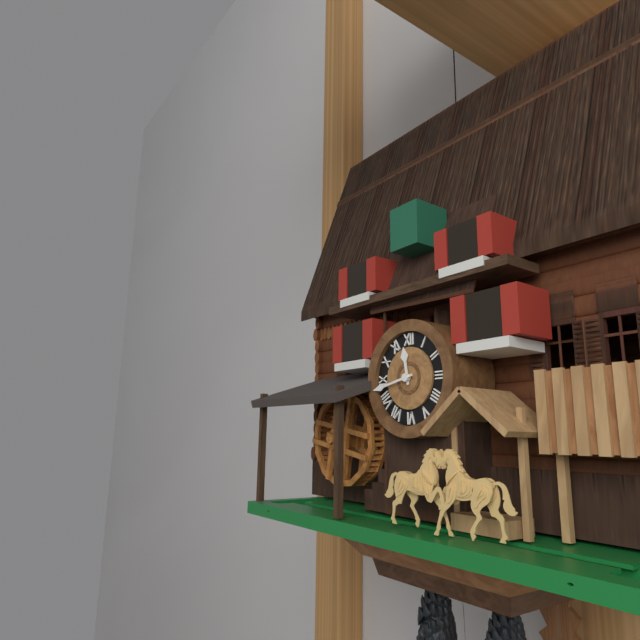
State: 11 h 43 min
